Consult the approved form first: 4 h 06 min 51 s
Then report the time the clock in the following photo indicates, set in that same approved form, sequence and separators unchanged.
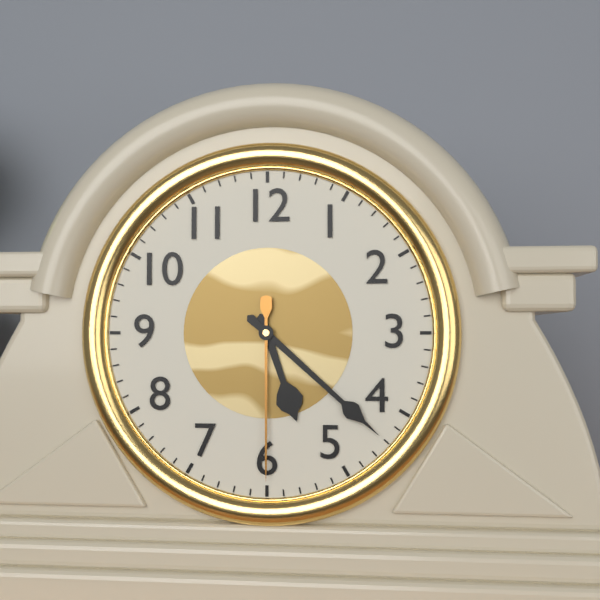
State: 5 h 22 min 30 s
